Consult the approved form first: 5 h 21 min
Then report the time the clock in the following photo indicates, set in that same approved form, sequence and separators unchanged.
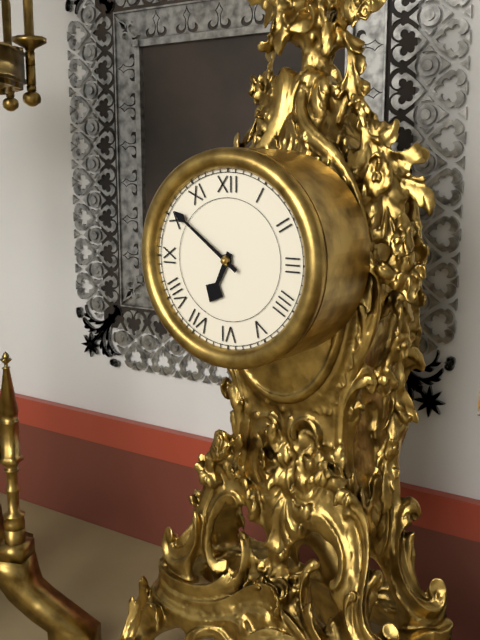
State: 6 h 51 min
